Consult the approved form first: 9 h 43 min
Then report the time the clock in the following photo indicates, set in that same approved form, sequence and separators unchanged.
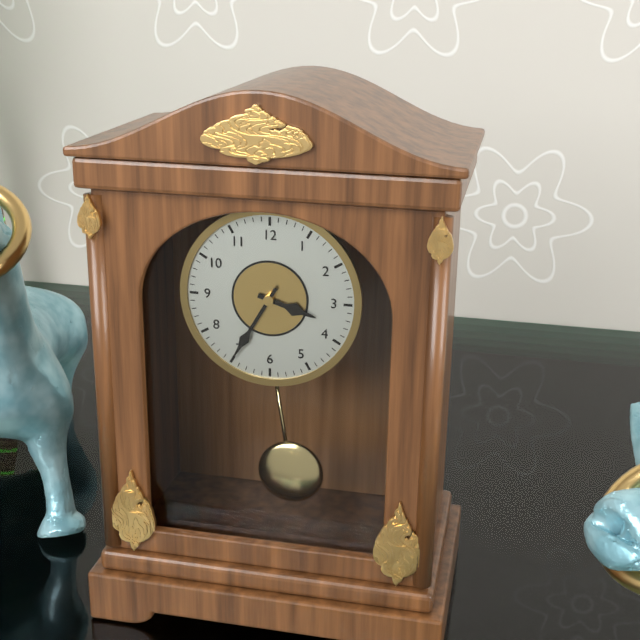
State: 3 h 35 min
